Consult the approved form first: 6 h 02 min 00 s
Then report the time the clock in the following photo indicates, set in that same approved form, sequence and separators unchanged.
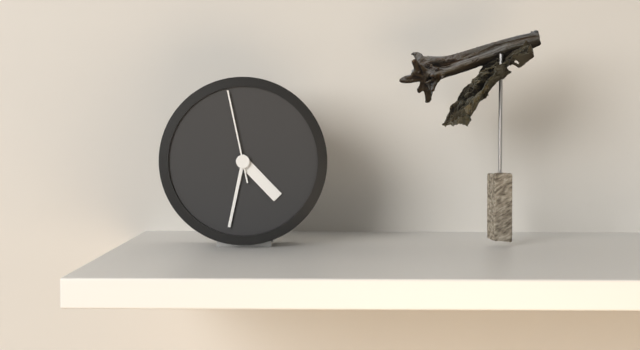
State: 4 h 32 min 58 s
